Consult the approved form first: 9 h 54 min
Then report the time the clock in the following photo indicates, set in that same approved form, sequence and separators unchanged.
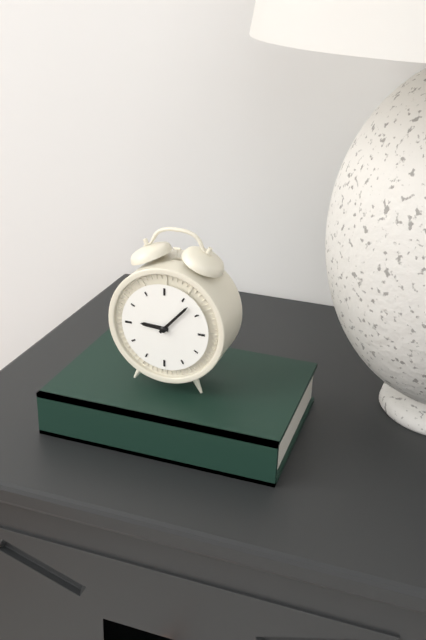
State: 9 h 07 min
